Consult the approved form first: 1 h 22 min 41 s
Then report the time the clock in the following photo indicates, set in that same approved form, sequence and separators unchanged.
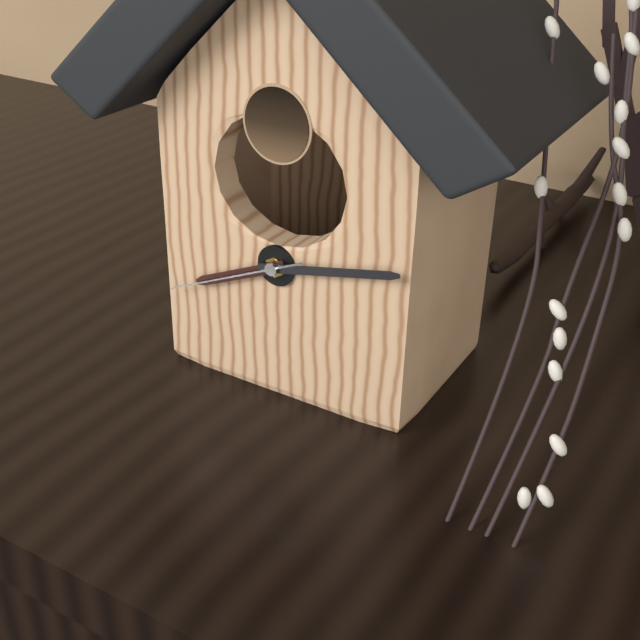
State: 8 h 13 min 41 s
